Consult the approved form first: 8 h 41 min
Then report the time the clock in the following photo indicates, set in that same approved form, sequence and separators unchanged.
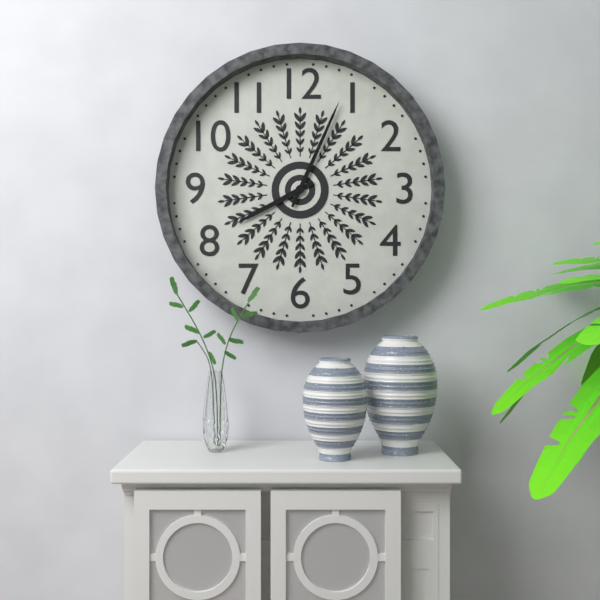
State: 8 h 04 min
